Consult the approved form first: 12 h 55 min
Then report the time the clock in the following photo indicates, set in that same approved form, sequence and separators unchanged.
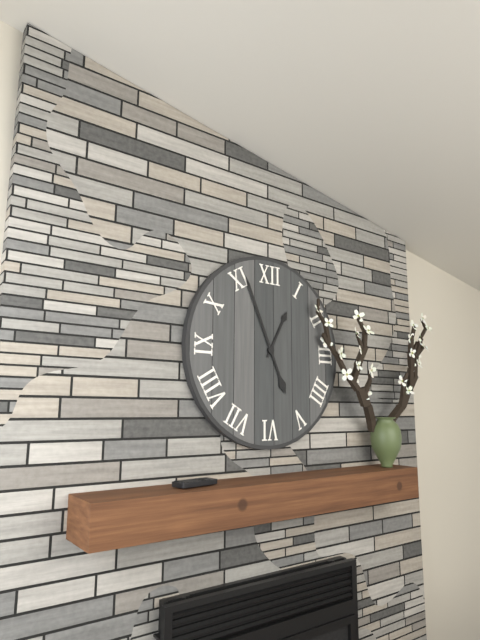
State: 12 h 56 min
